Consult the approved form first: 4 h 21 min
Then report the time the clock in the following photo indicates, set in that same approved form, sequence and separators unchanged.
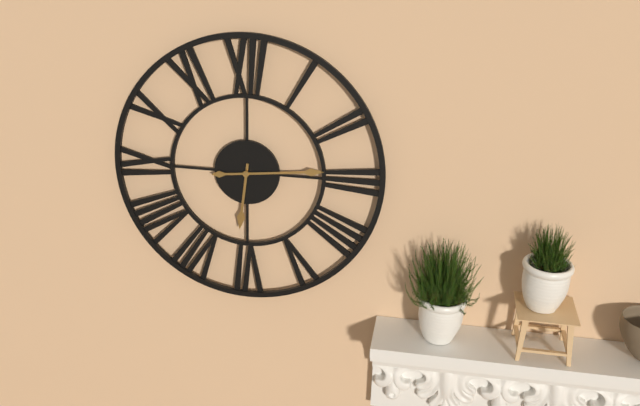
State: 6 h 14 min
